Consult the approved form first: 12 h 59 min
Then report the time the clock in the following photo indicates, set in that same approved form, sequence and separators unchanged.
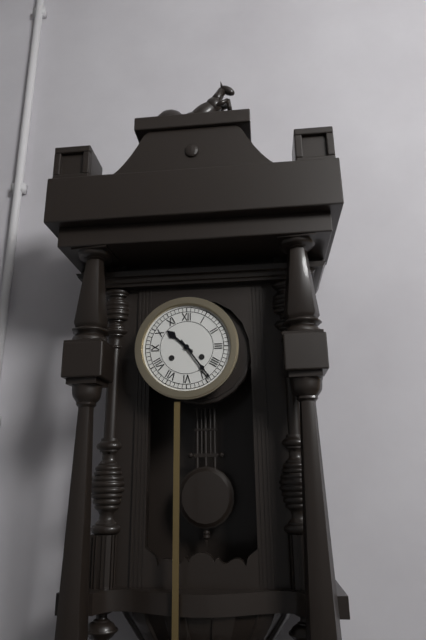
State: 10 h 24 min
